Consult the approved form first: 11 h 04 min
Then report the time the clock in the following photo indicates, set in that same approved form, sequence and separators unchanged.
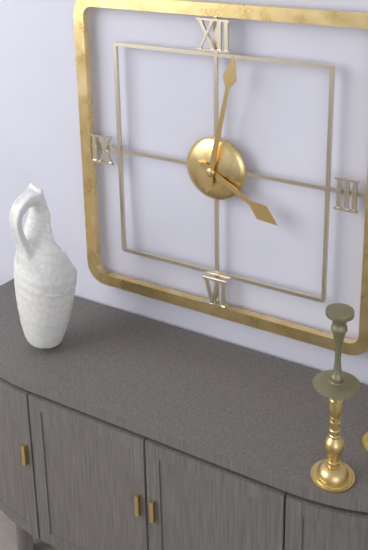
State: 4 h 02 min
